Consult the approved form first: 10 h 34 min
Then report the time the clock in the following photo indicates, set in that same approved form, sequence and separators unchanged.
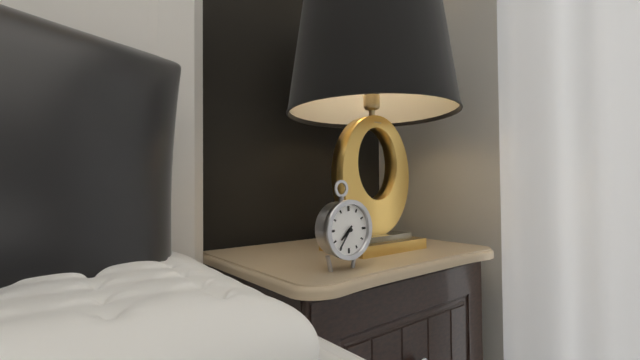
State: 7 h 36 min
